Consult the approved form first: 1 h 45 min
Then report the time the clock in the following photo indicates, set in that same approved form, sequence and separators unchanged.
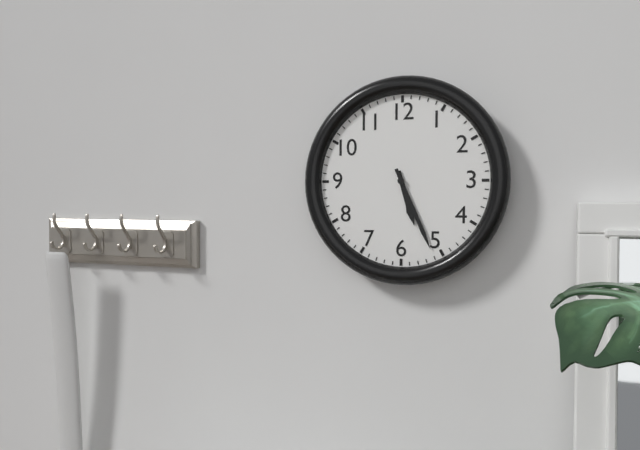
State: 5 h 26 min
